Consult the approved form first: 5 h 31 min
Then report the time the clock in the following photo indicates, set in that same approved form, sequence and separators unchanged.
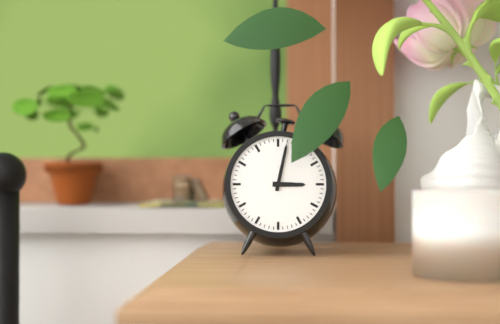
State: 3 h 02 min
